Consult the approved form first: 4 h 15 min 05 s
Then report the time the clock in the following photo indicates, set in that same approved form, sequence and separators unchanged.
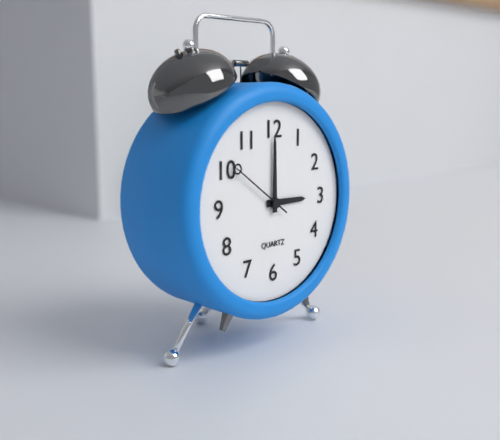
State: 3 h 00 min 51 s
